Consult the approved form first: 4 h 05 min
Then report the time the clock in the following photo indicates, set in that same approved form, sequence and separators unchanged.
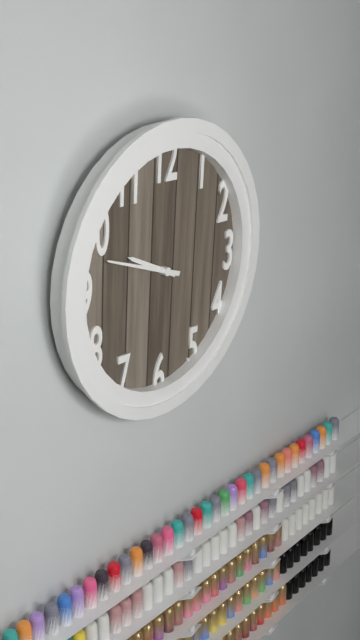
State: 9 h 48 min
